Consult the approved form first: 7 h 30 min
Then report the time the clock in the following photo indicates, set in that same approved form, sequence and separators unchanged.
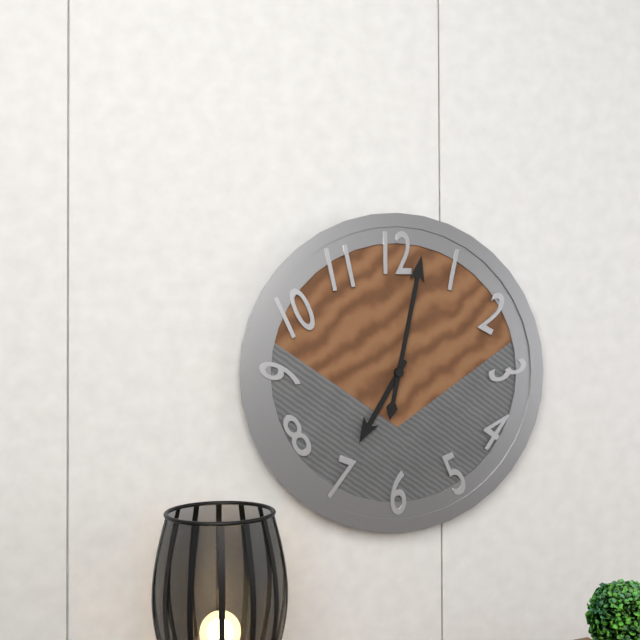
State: 7 h 02 min
